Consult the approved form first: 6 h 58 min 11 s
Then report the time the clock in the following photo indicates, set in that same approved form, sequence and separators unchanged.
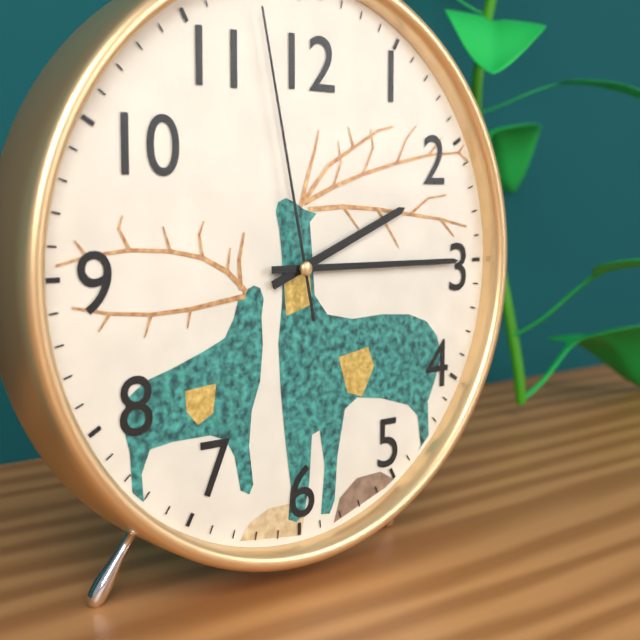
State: 2 h 15 min 58 s
